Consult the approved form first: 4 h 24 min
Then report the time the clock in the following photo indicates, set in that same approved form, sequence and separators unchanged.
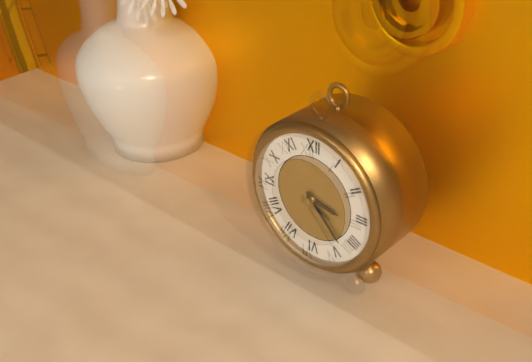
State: 3 h 23 min
